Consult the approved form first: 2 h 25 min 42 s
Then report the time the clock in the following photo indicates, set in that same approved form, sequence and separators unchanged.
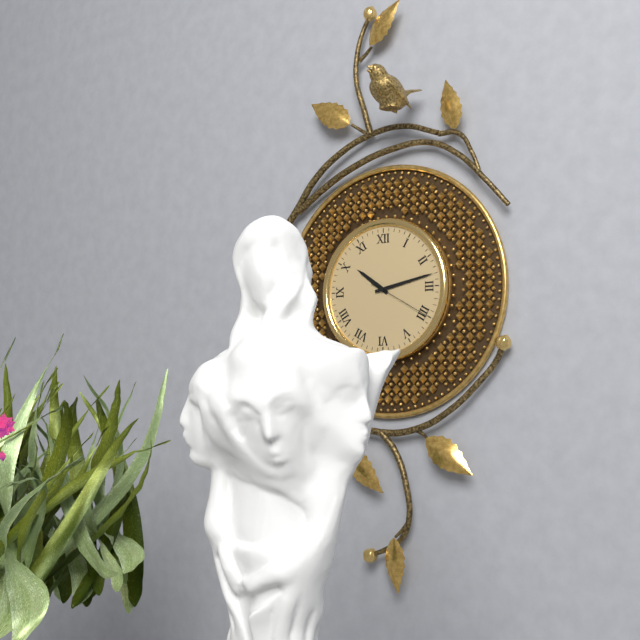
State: 10 h 13 min 20 s
